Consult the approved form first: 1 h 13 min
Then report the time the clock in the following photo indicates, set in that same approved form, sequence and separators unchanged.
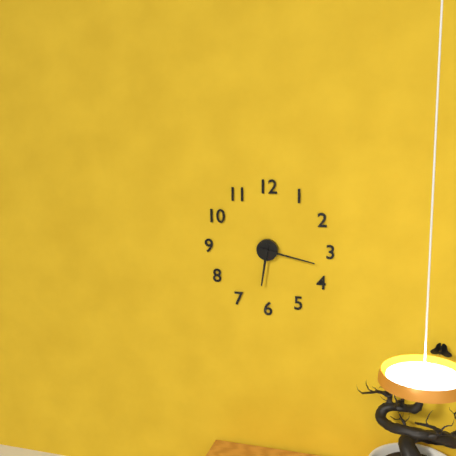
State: 6 h 17 min
